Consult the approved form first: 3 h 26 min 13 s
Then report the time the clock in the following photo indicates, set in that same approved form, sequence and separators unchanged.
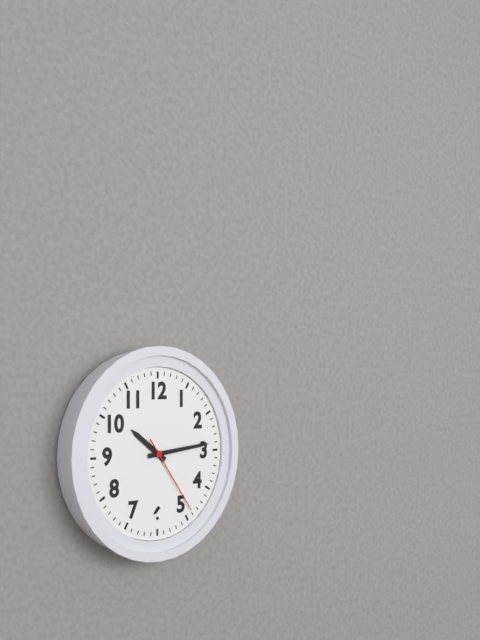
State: 10 h 14 min 24 s
